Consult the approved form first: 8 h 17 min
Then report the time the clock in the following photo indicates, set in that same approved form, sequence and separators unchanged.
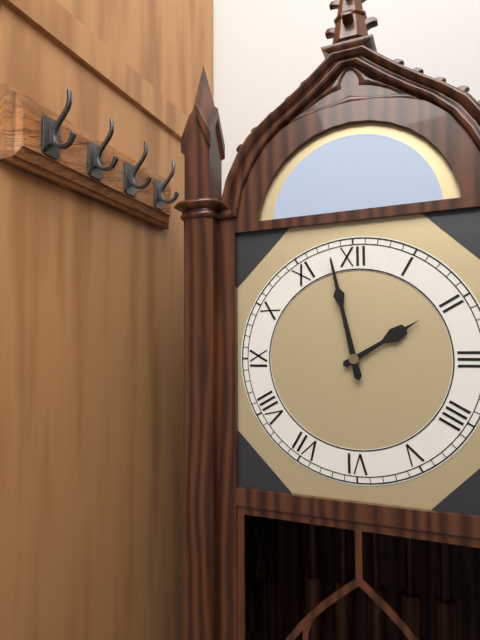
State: 1 h 58 min
